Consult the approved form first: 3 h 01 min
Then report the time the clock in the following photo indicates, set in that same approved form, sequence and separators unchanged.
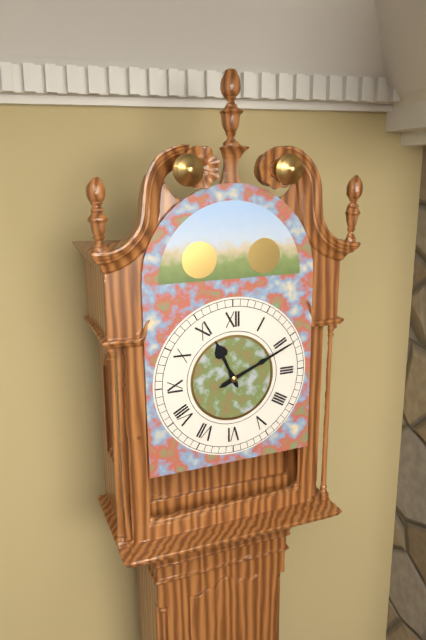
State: 11 h 11 min
